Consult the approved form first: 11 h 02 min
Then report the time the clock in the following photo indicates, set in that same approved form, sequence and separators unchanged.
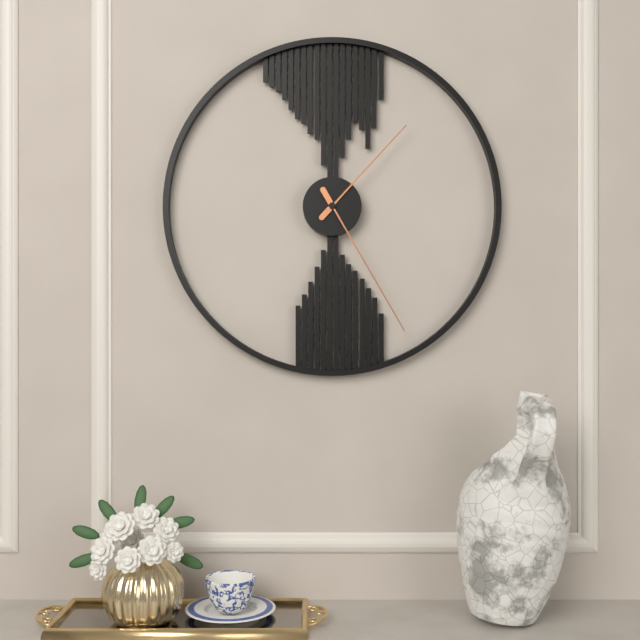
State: 1 h 25 min
